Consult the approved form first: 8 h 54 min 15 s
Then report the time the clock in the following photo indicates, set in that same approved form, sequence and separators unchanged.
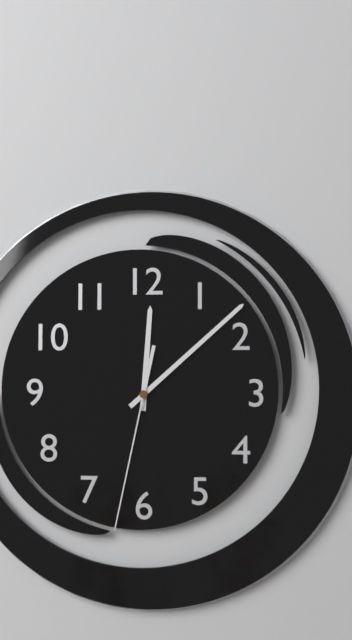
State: 12 h 08 min 32 s
